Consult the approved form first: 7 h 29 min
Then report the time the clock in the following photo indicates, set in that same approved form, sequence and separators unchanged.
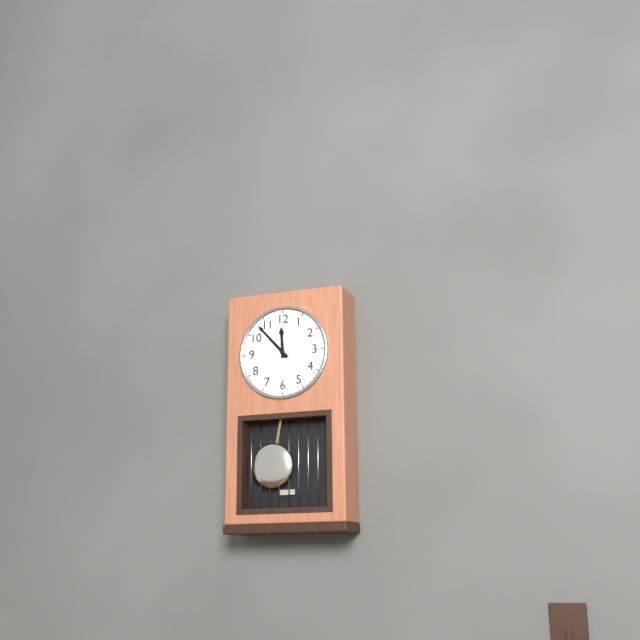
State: 11 h 53 min
